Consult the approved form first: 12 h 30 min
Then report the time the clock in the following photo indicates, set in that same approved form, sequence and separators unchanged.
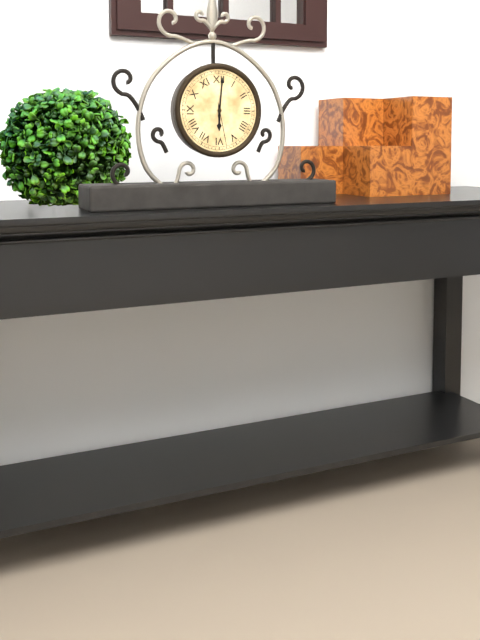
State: 6 h 01 min
